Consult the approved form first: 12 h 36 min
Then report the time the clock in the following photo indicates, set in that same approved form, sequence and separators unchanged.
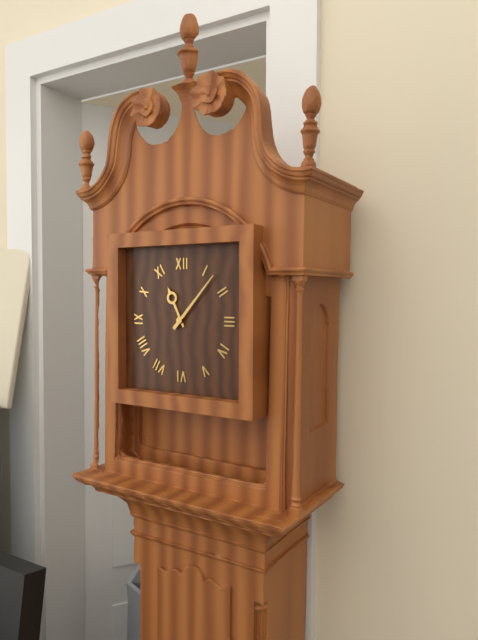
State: 11 h 07 min
